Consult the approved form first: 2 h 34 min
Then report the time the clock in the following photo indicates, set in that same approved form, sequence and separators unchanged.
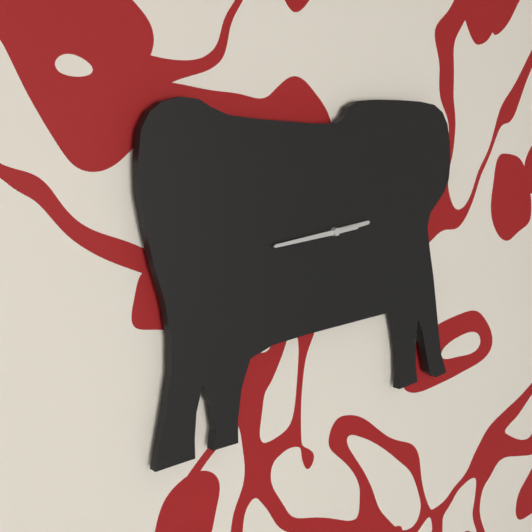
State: 2 h 44 min
